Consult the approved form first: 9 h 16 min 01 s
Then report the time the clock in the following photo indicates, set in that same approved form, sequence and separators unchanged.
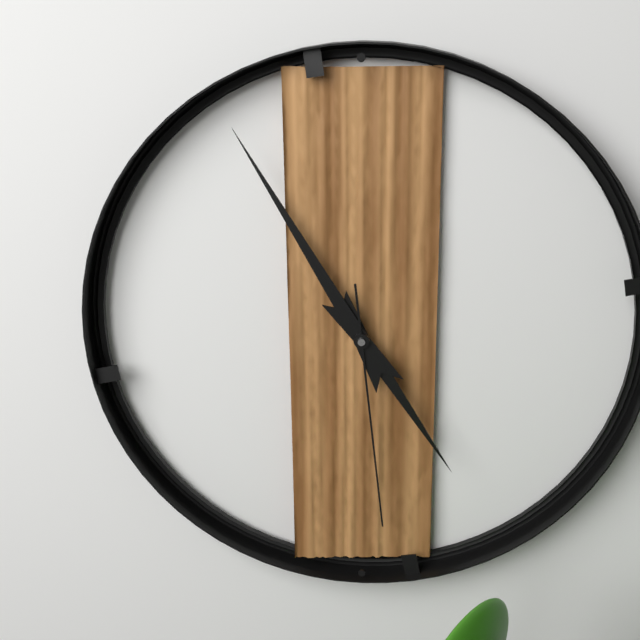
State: 4 h 55 min 29 s
